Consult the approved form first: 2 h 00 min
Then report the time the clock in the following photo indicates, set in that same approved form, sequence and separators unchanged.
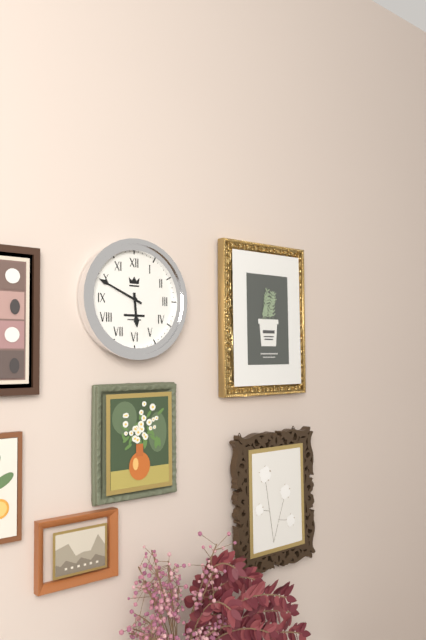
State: 5 h 49 min
